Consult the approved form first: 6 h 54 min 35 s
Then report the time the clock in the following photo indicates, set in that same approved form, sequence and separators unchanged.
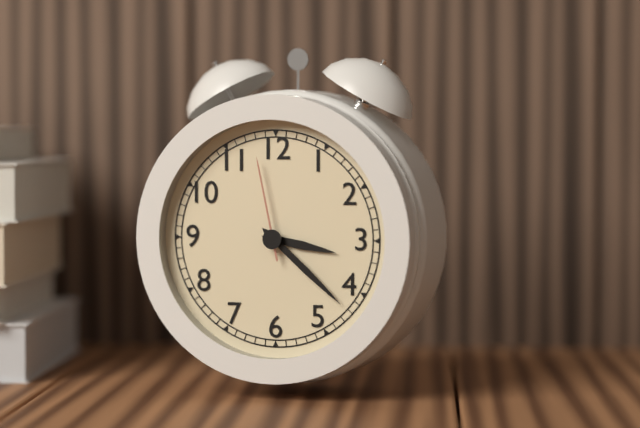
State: 3 h 22 min 58 s
